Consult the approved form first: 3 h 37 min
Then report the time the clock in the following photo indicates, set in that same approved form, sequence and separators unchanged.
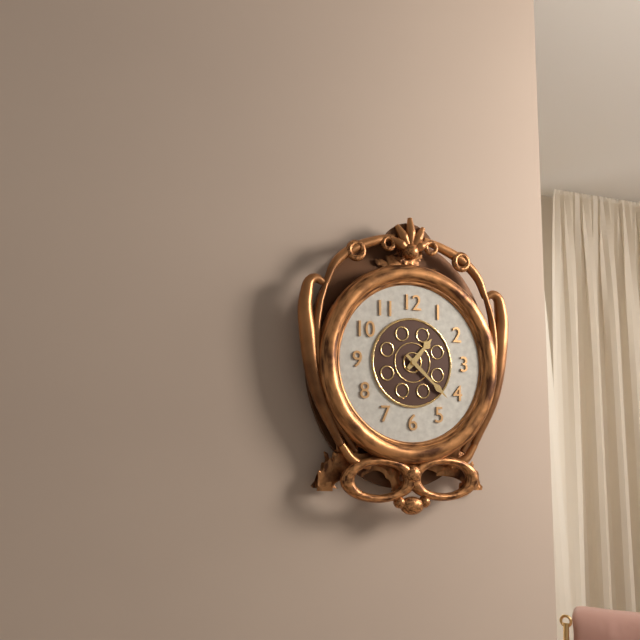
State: 1 h 22 min
